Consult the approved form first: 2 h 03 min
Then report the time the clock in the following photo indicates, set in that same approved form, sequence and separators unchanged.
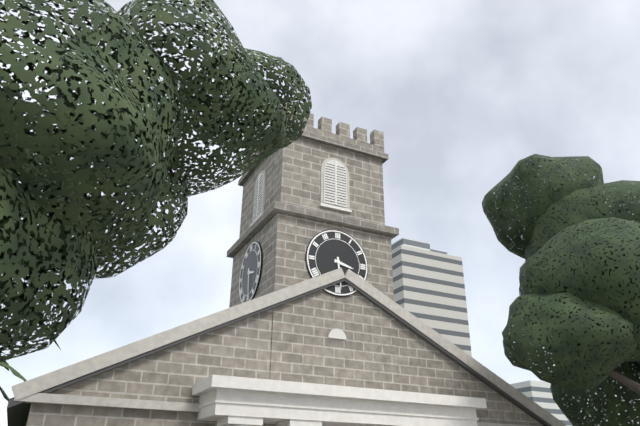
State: 3 h 29 min
